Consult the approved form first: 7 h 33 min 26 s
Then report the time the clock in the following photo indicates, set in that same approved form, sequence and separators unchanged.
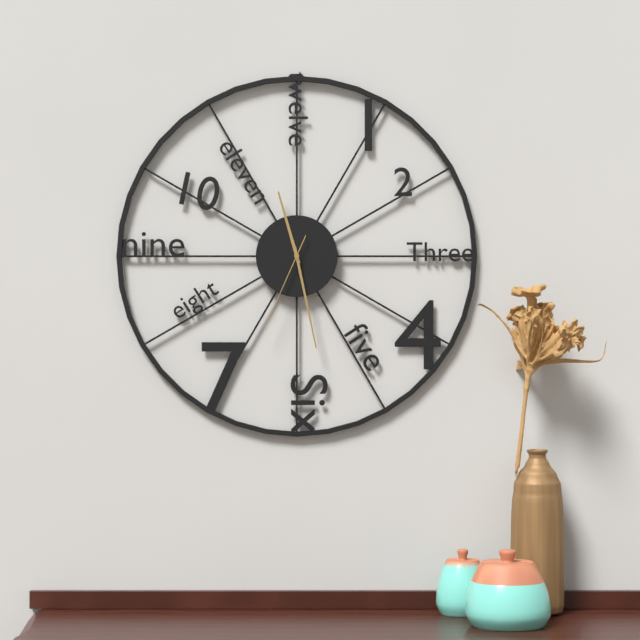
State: 11 h 28 min 34 s
